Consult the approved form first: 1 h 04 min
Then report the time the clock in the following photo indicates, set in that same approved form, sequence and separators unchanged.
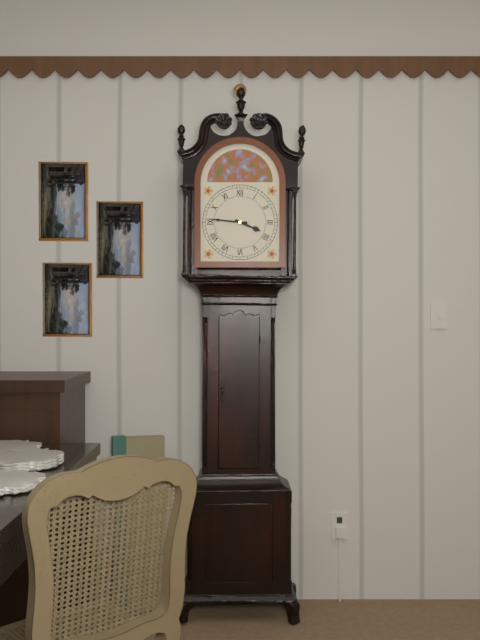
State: 3 h 46 min
